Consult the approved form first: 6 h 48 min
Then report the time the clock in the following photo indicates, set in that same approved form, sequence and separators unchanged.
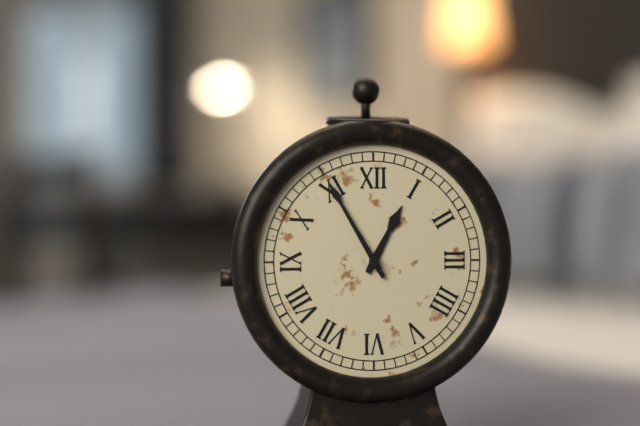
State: 12 h 55 min
